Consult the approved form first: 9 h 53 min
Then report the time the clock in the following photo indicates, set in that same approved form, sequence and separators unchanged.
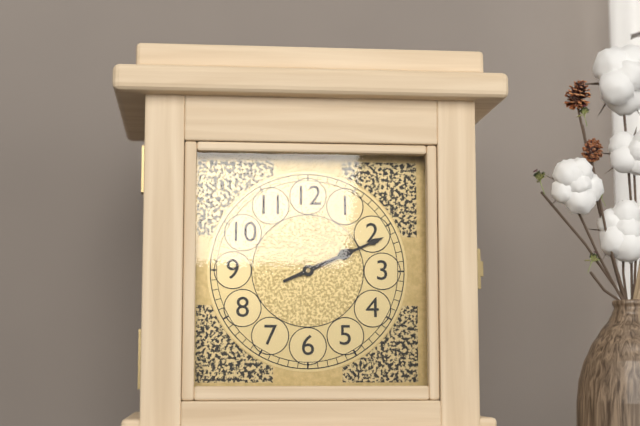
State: 2 h 11 min
